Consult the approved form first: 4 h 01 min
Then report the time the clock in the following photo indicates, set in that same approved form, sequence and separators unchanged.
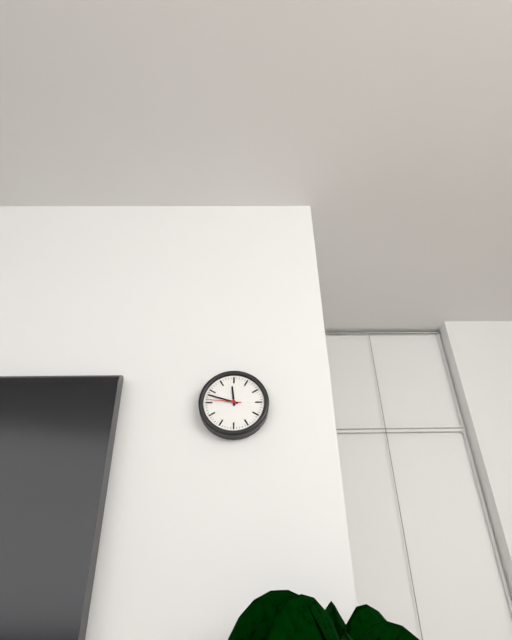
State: 11 h 48 min
